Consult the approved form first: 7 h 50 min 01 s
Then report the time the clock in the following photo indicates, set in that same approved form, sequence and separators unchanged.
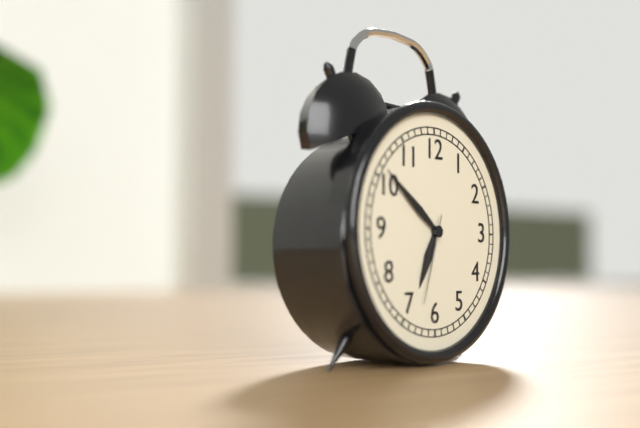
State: 6 h 51 min 33 s
